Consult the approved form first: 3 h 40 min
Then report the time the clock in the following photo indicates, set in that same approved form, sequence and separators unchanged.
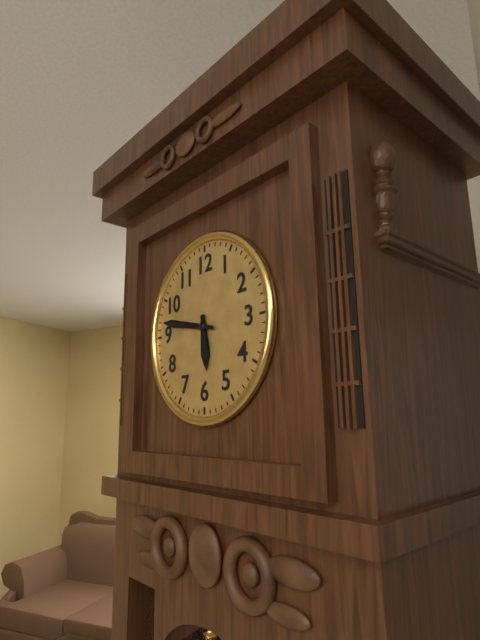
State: 5 h 47 min
